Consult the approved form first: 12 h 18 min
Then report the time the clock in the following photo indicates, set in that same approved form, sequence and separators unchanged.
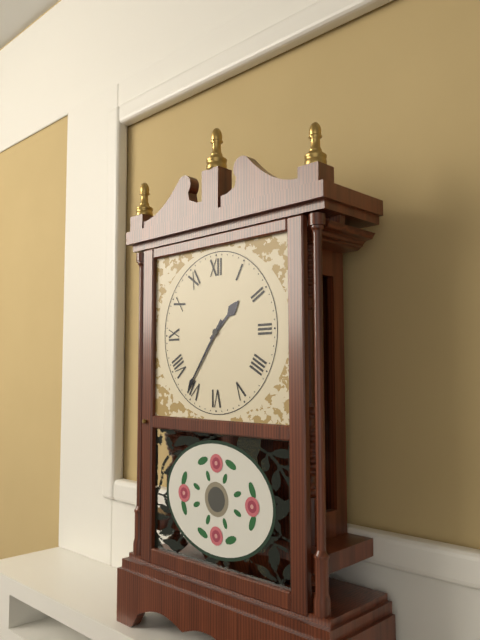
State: 1 h 36 min
